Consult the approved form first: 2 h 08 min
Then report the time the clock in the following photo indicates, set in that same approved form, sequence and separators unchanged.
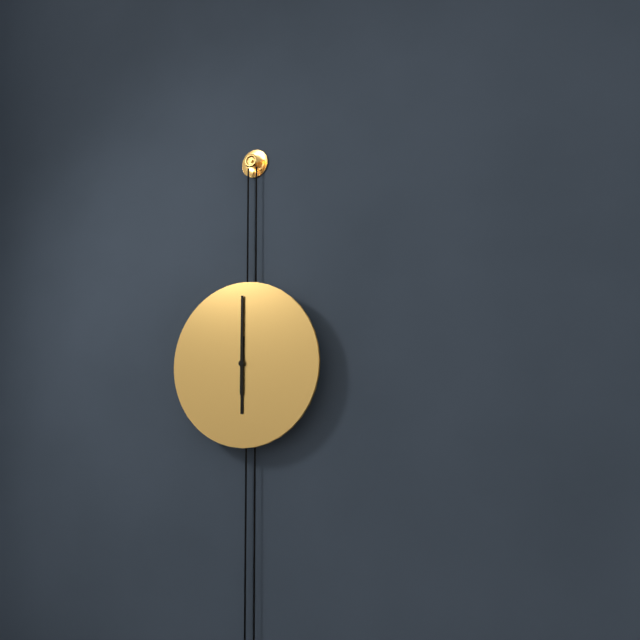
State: 6 h 00 min
